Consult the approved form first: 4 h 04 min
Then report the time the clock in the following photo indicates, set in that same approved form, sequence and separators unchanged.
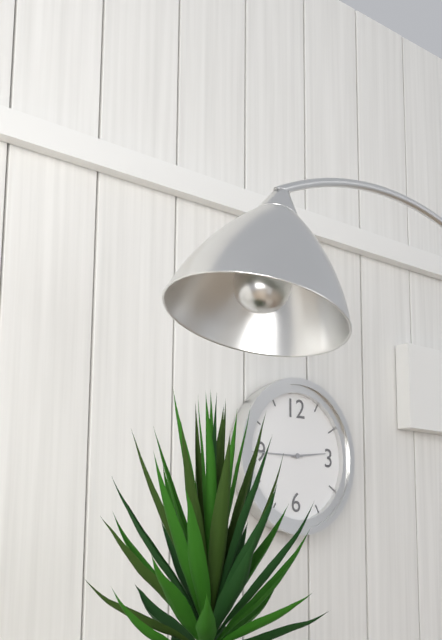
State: 2 h 45 min
